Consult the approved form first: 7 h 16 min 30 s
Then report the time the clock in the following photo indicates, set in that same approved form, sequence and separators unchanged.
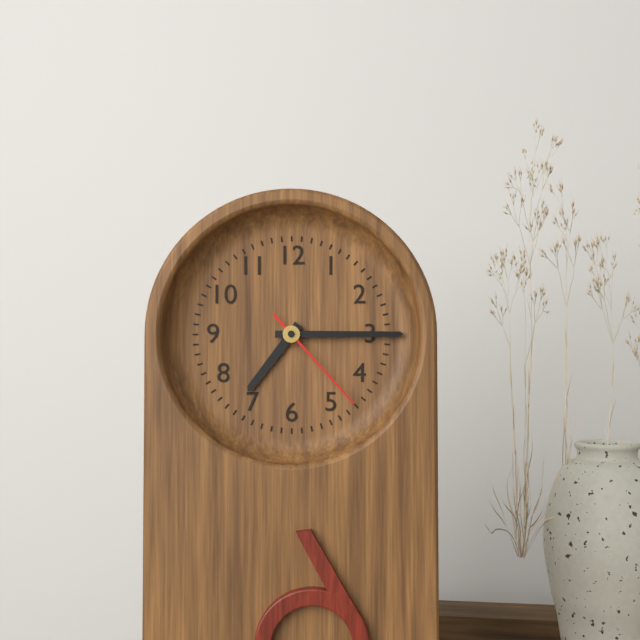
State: 7 h 15 min 23 s
